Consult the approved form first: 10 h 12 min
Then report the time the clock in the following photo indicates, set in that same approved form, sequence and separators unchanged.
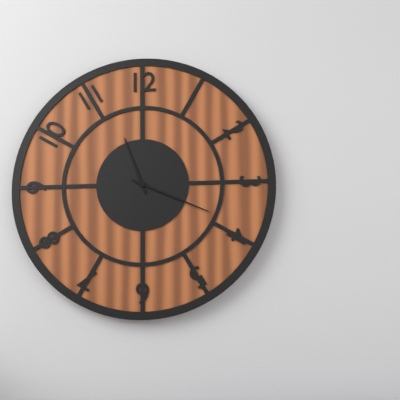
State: 11 h 19 min
